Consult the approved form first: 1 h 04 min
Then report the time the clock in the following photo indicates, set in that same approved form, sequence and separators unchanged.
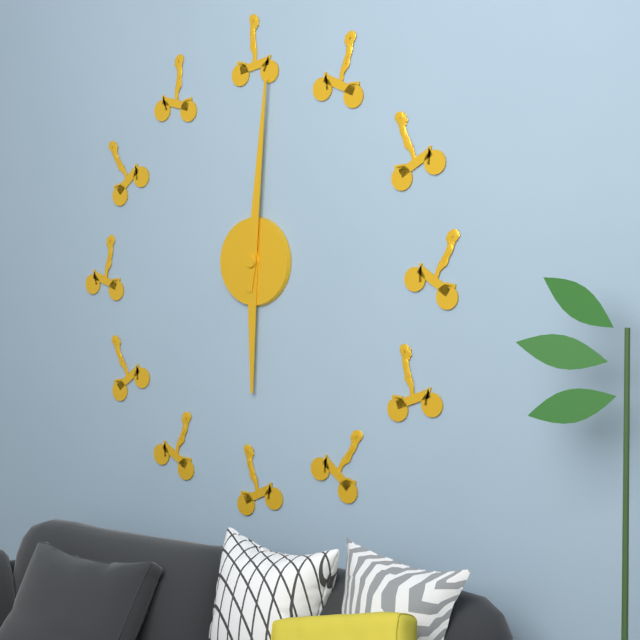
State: 6 h 01 min
